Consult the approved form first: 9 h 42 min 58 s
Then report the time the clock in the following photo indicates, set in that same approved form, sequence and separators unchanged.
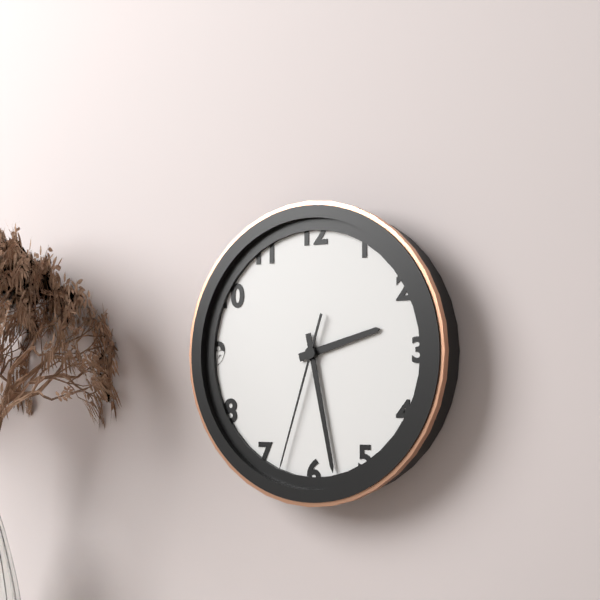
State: 2 h 28 min 33 s
